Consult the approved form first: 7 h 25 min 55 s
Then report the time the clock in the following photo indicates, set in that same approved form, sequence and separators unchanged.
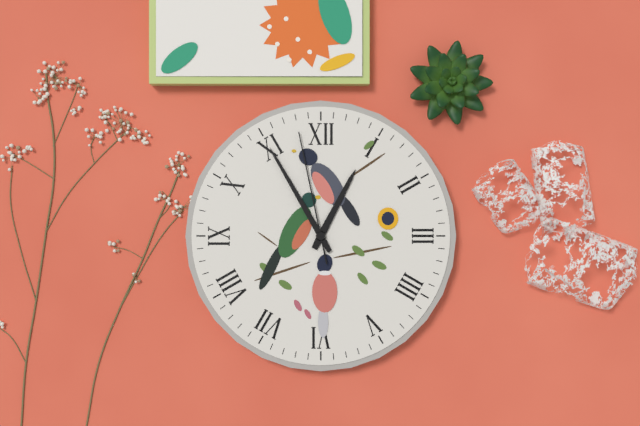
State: 12 h 55 min 58 s
